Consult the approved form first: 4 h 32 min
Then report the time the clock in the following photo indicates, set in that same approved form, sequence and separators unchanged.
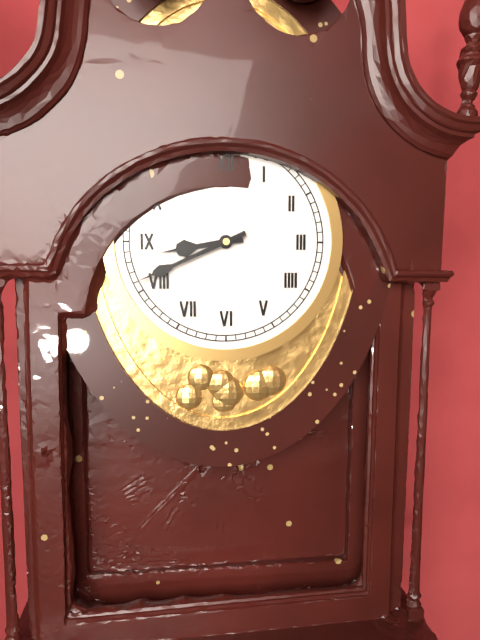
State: 8 h 41 min
